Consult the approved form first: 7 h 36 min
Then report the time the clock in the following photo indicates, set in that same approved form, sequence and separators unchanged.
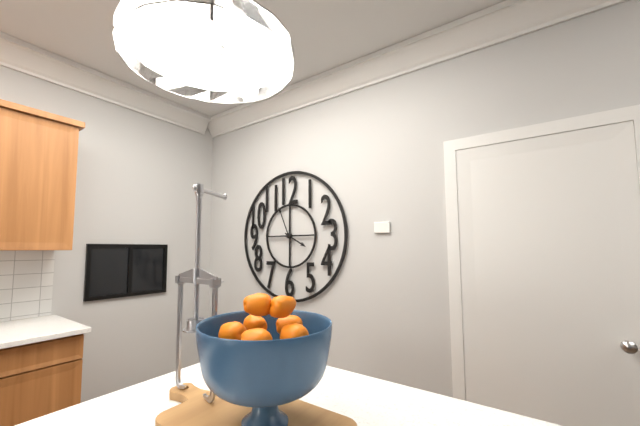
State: 3 h 56 min
